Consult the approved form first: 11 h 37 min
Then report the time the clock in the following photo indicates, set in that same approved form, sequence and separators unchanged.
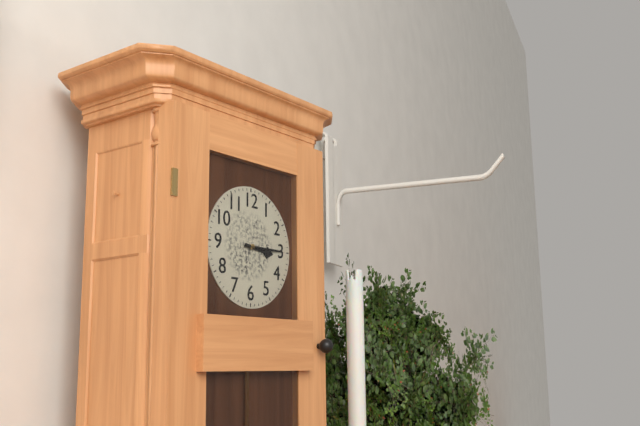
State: 3 h 15 min
